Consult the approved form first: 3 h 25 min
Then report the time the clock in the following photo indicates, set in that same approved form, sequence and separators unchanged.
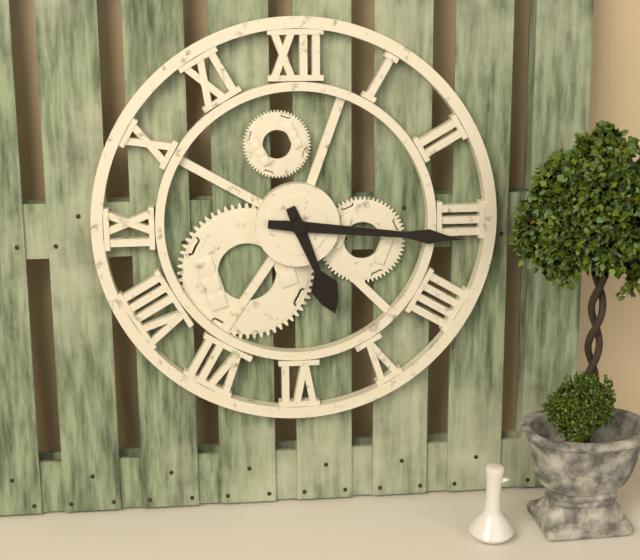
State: 5 h 16 min
